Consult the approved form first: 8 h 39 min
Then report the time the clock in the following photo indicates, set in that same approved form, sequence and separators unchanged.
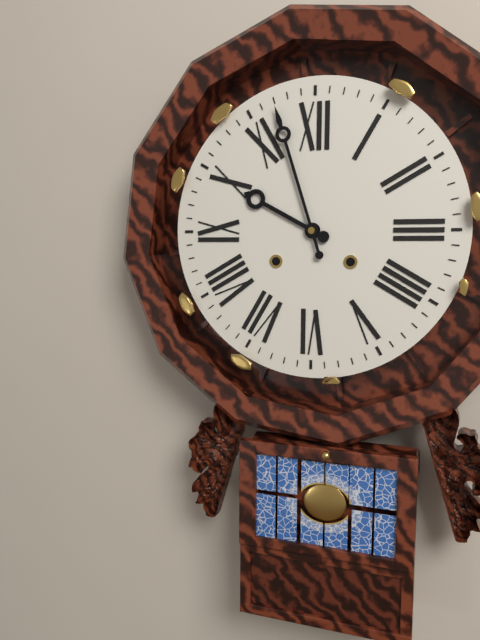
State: 9 h 57 min
